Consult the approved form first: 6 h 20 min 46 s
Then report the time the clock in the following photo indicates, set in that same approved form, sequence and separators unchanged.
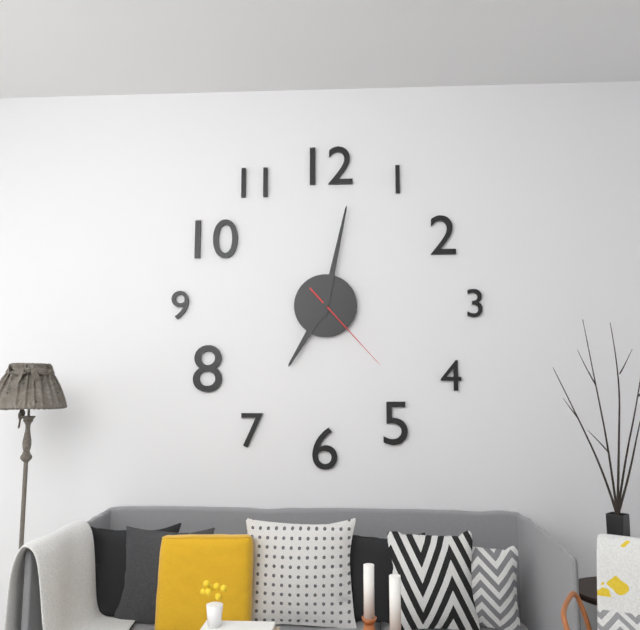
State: 7 h 02 min 23 s
